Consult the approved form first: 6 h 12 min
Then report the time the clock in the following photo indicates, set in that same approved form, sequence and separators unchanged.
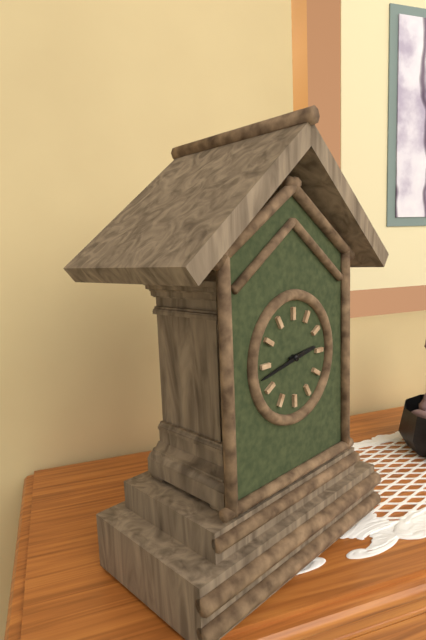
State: 2 h 43 min
